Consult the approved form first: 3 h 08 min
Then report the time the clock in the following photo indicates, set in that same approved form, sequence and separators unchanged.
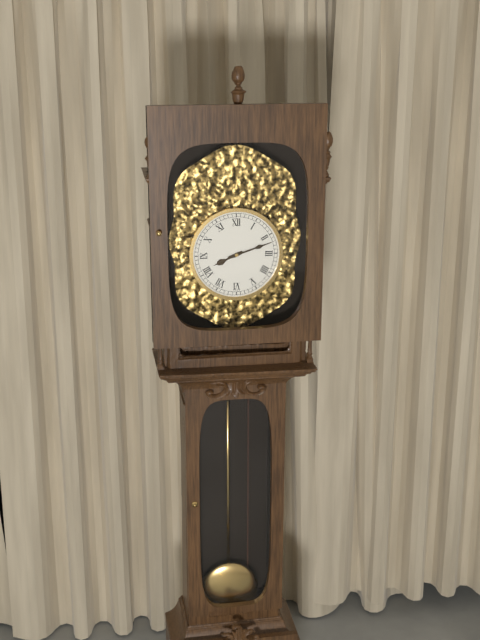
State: 8 h 12 min
